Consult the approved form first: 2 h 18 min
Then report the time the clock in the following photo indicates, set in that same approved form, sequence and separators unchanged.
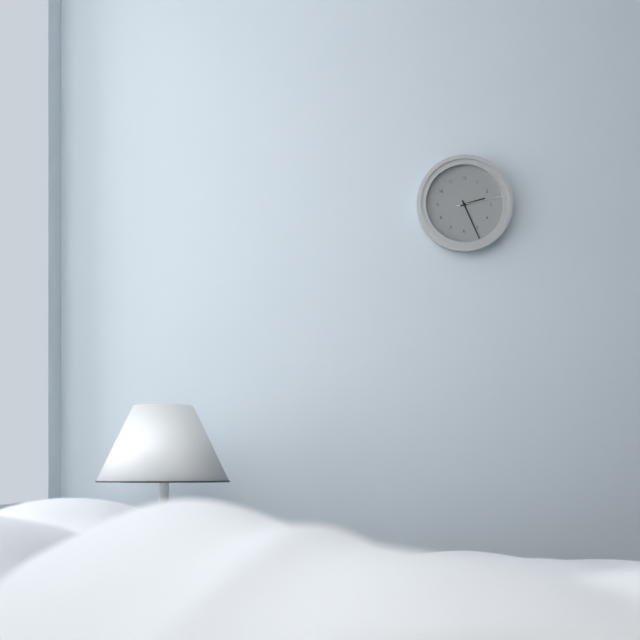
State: 2 h 26 min
